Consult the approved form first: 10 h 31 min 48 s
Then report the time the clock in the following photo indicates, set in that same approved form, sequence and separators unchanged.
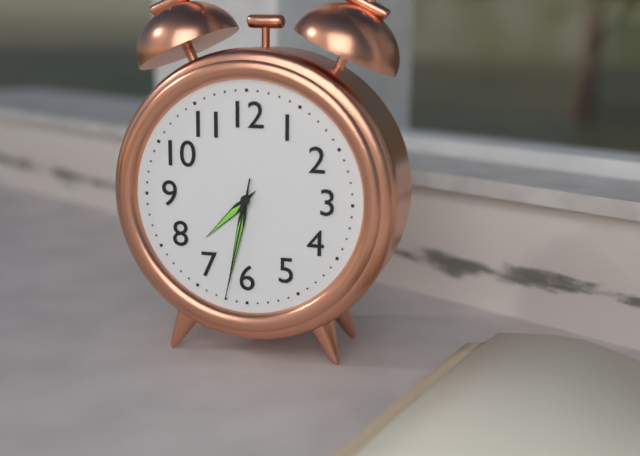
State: 7 h 32 min 32 s
